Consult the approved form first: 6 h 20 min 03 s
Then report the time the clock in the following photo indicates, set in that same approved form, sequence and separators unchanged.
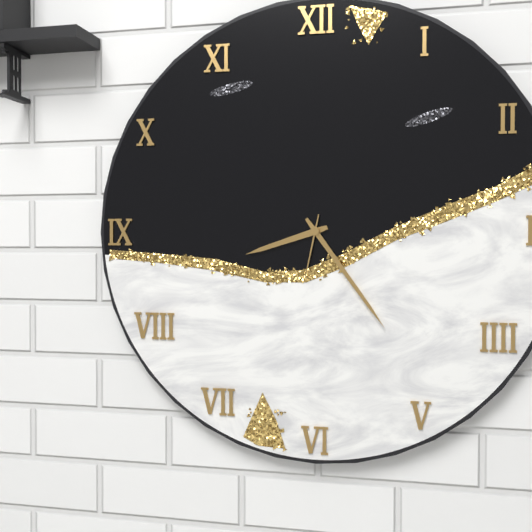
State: 8 h 24 min 32 s
